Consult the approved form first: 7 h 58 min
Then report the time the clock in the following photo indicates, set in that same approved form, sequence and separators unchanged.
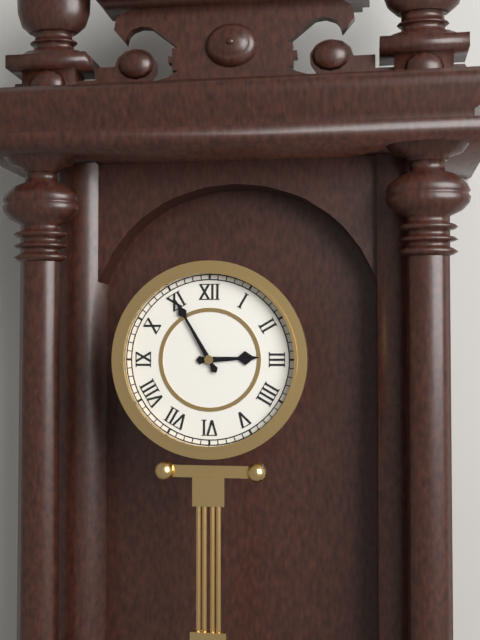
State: 2 h 55 min
